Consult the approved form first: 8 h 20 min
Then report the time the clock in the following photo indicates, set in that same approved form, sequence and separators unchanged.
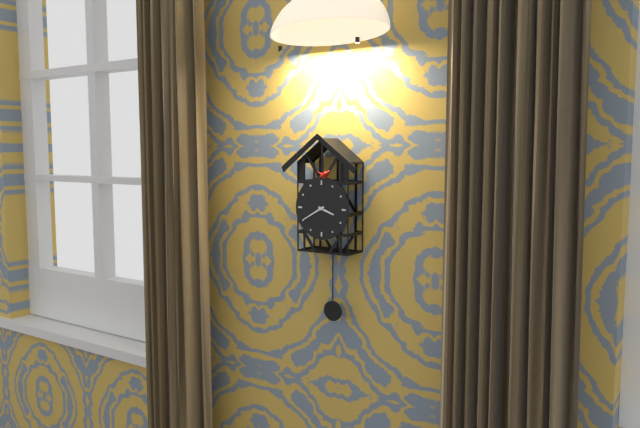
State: 3 h 40 min
